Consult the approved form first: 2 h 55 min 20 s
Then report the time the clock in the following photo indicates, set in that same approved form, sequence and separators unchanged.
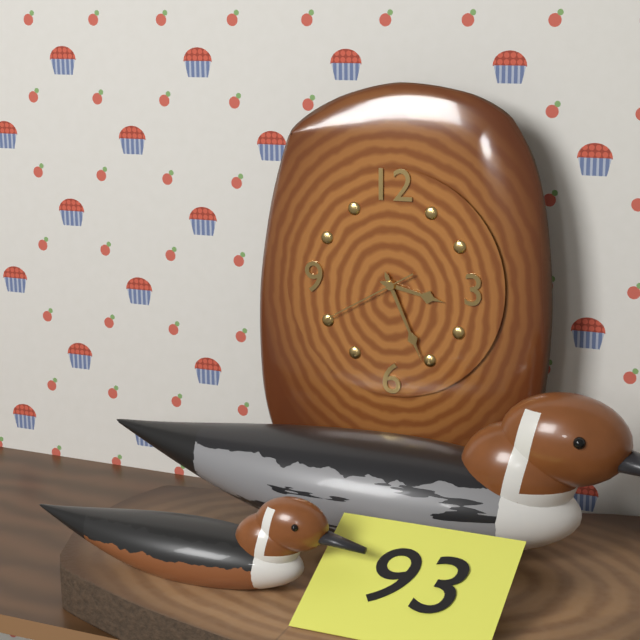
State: 3 h 26 min 40 s
